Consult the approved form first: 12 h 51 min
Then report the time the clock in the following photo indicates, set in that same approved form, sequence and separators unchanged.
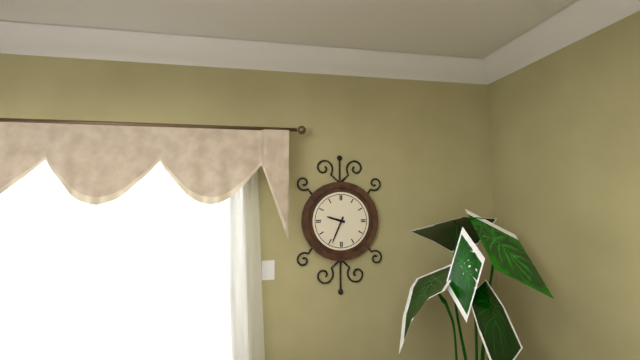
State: 9 h 34 min
